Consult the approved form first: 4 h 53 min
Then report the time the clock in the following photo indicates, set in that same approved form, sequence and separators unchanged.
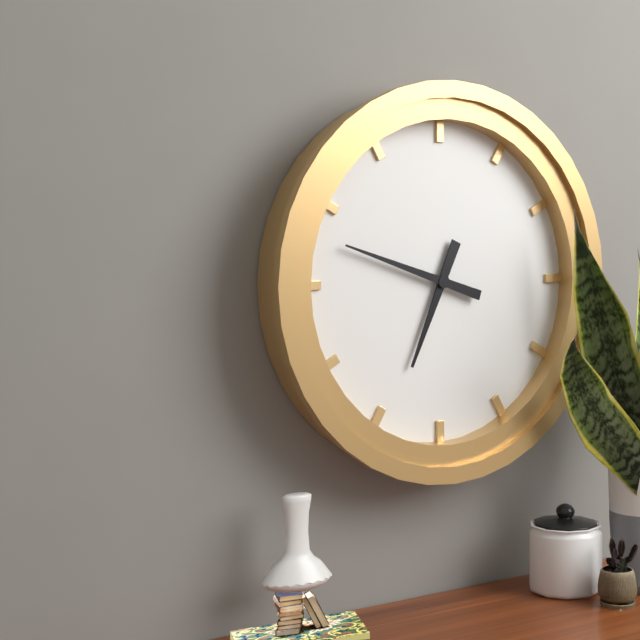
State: 6 h 48 min
